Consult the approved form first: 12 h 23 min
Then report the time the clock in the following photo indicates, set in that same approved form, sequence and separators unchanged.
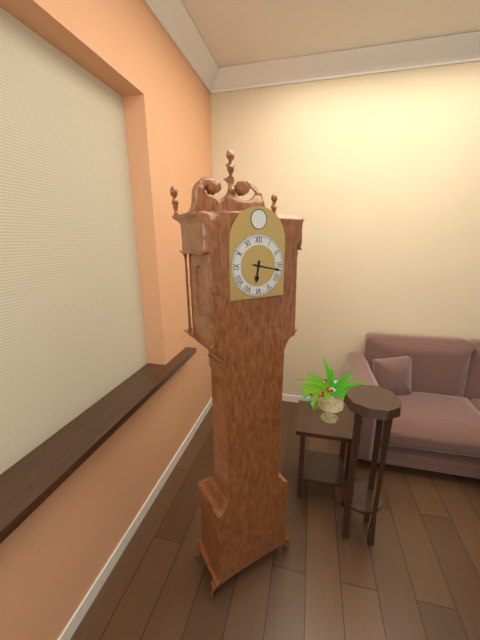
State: 6 h 17 min
